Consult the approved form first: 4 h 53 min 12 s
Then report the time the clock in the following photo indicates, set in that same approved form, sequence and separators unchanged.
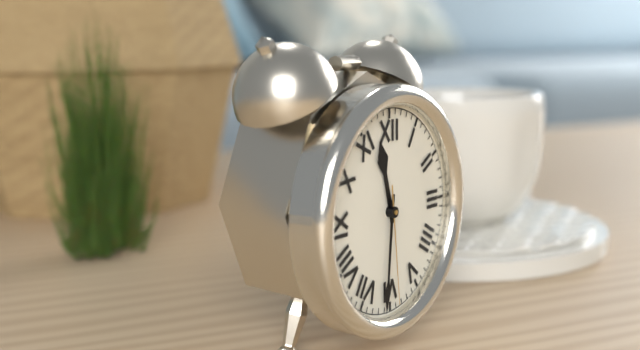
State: 11 h 31 min 29 s
